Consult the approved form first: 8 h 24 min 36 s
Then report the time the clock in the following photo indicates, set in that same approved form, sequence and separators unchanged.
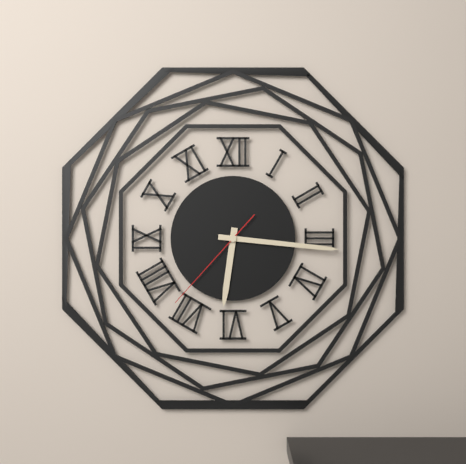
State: 6 h 16 min 37 s
